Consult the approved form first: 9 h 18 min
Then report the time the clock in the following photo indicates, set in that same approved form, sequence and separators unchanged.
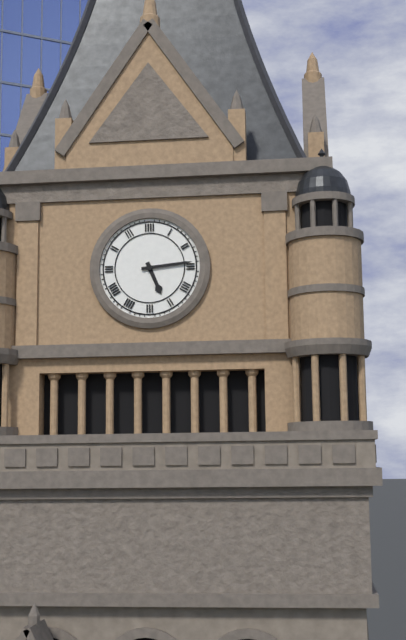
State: 5 h 14 min
